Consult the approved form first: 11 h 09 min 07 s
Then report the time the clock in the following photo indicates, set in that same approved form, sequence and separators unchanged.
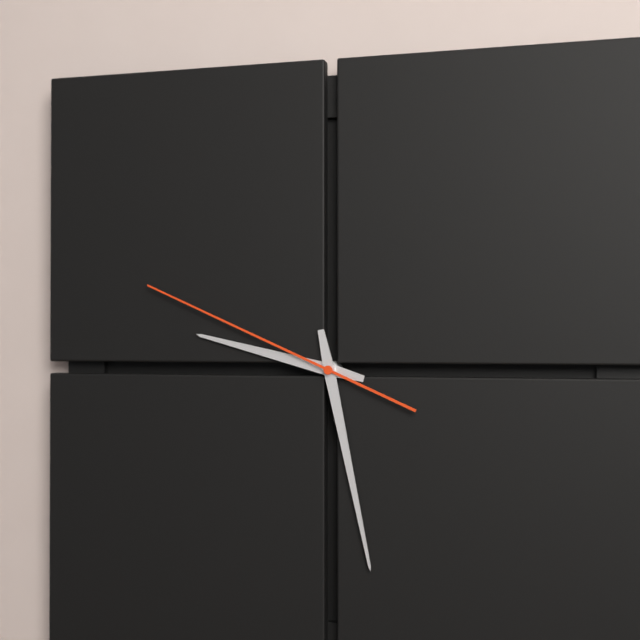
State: 9 h 28 min 49 s
